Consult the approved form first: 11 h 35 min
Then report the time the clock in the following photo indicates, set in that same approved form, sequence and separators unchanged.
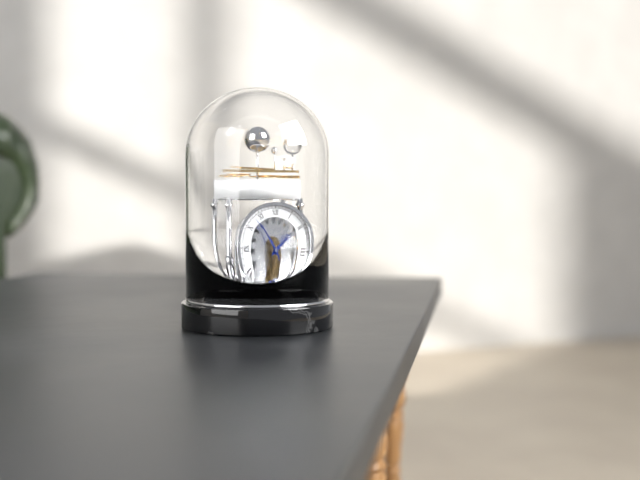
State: 1 h 53 min
